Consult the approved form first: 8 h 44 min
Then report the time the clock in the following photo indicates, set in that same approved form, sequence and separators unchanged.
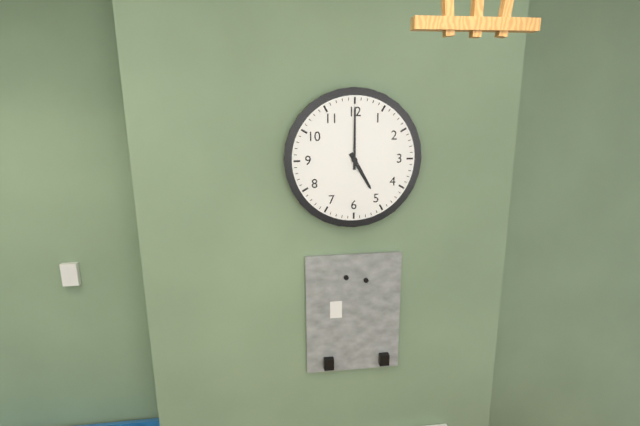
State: 5 h 00 min
